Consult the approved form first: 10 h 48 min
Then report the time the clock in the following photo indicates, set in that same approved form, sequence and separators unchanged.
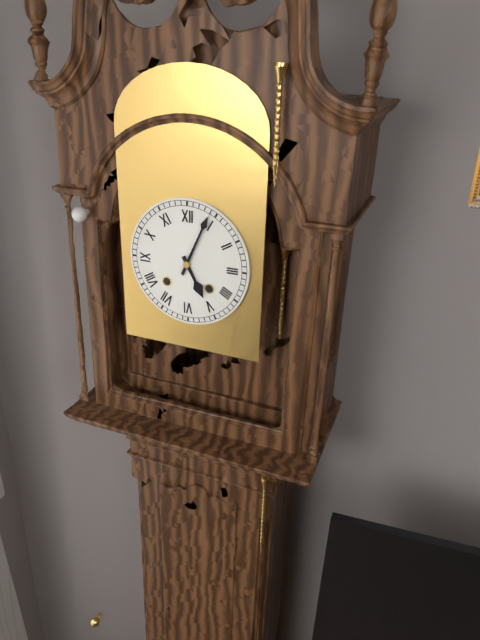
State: 5 h 04 min
